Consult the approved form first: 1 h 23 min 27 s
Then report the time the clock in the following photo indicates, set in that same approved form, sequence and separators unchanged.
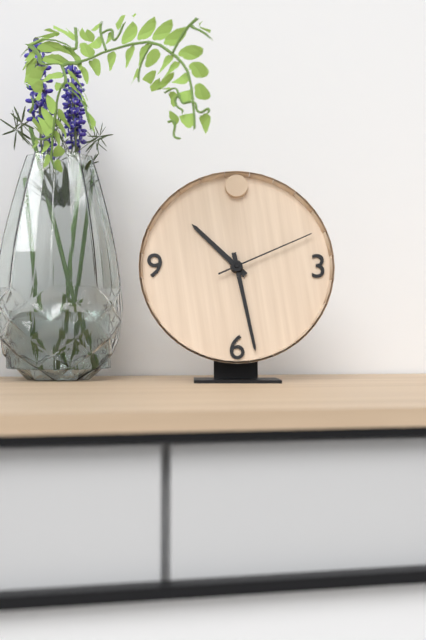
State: 10 h 28 min 11 s
